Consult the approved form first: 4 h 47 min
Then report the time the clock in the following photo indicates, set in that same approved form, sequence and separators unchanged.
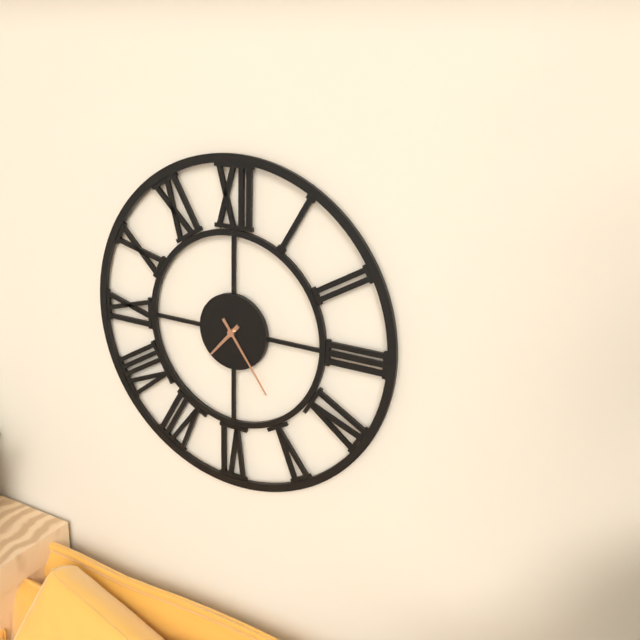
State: 7 h 24 min
